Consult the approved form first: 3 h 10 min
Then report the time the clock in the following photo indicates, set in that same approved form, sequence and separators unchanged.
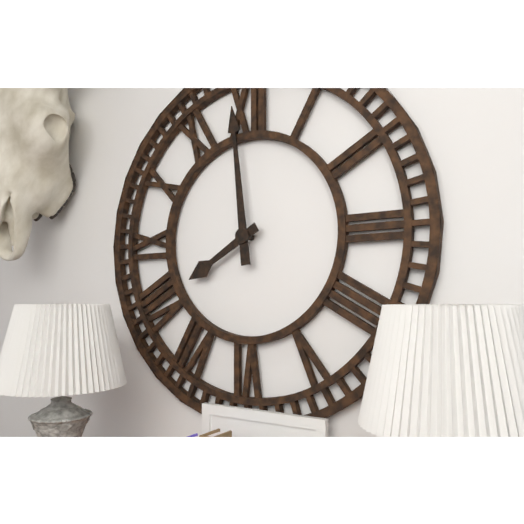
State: 7 h 59 min
